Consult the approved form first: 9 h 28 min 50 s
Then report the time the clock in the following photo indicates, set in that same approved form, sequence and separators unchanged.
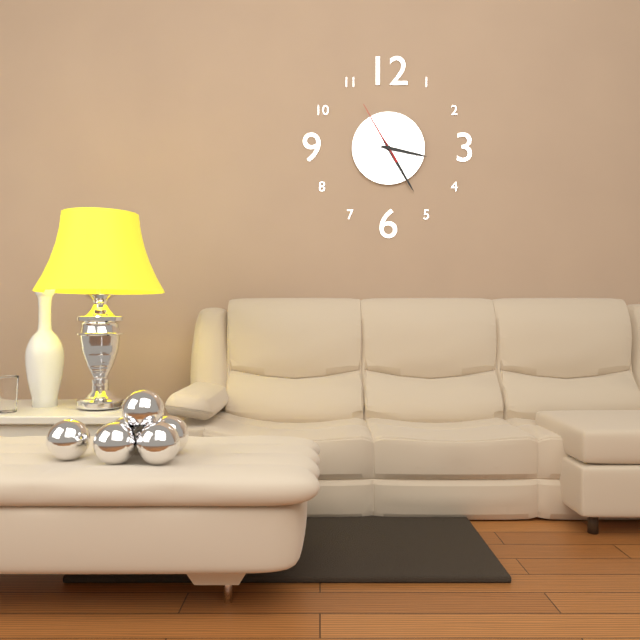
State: 3 h 25 min 55 s
